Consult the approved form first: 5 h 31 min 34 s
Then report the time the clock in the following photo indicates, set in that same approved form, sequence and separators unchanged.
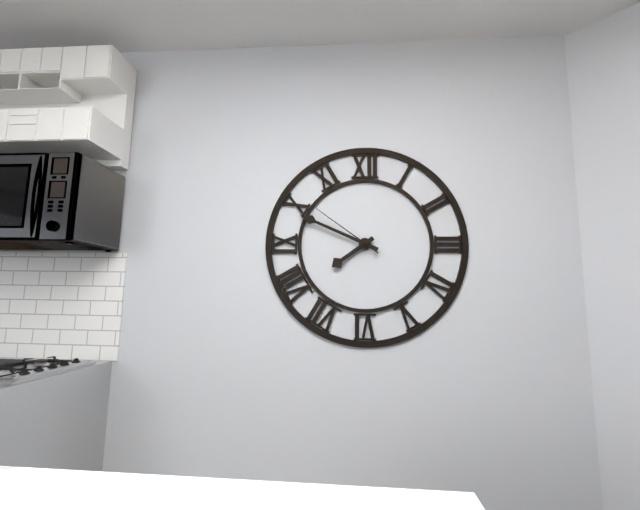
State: 7 h 49 min 51 s
